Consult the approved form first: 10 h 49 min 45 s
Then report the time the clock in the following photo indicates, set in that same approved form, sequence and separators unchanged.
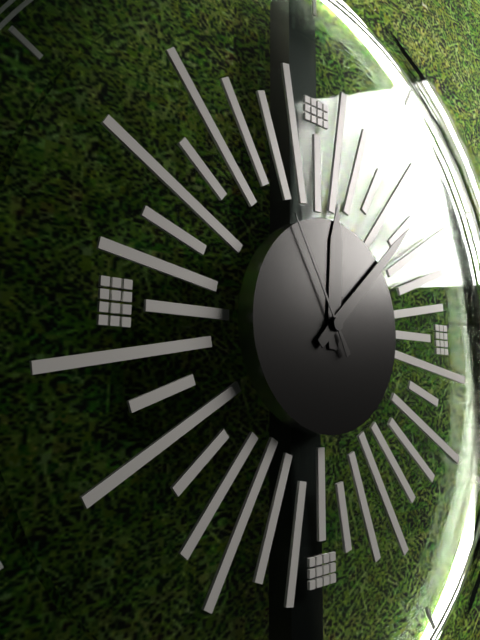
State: 12 h 08 min 55 s
